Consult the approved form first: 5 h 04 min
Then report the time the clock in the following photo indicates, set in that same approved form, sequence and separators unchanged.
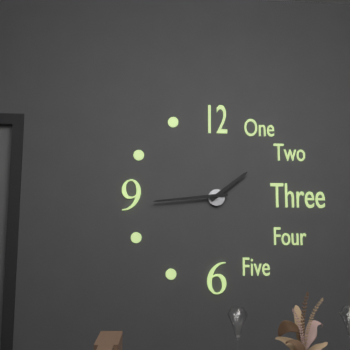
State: 1 h 44 min
